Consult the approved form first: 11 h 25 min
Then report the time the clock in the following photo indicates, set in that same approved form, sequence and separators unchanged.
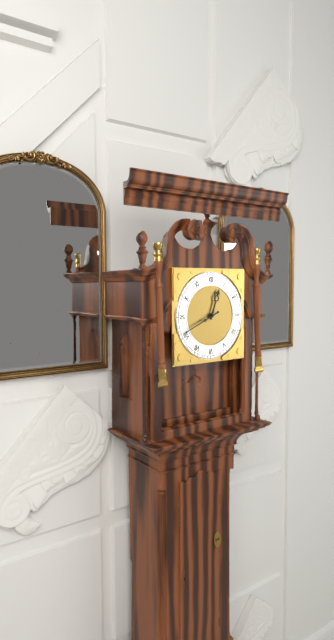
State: 12 h 41 min
